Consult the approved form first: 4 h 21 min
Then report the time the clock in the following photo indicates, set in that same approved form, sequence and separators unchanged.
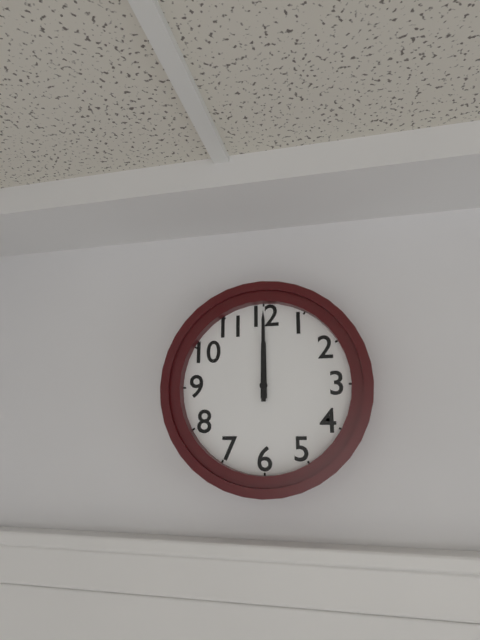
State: 12 h 00 min
